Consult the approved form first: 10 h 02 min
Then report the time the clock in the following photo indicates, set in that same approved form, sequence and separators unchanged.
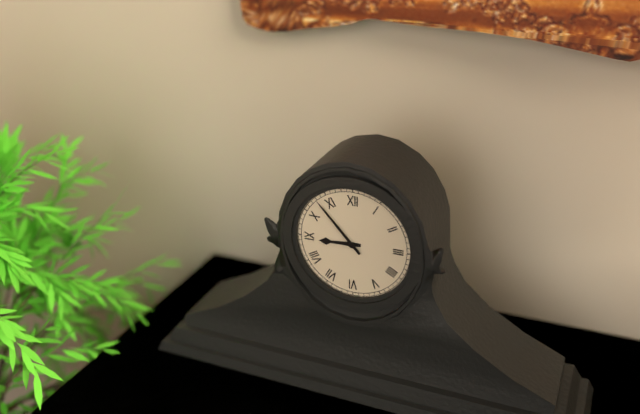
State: 8 h 53 min
